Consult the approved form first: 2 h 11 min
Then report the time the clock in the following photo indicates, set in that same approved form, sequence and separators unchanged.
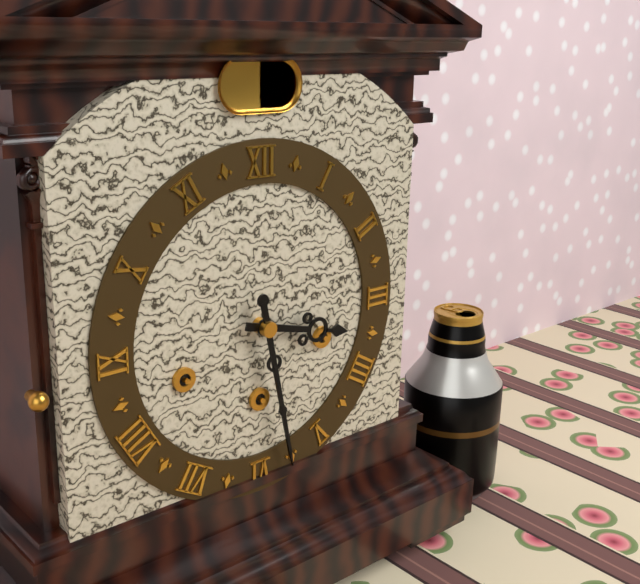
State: 3 h 28 min
